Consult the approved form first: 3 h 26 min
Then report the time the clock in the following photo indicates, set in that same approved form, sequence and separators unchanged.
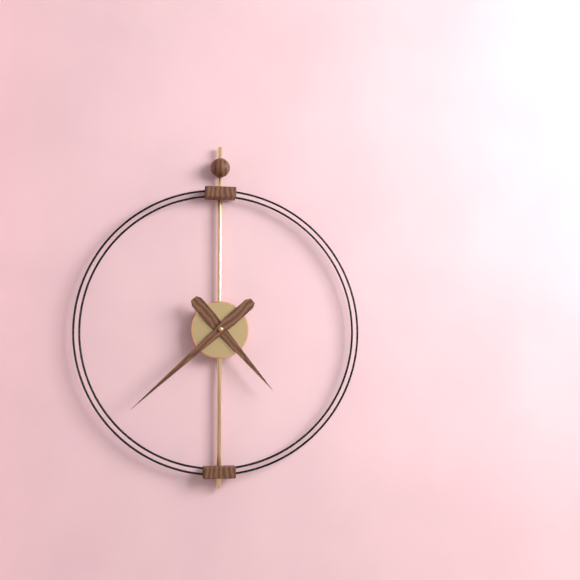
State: 4 h 38 min
